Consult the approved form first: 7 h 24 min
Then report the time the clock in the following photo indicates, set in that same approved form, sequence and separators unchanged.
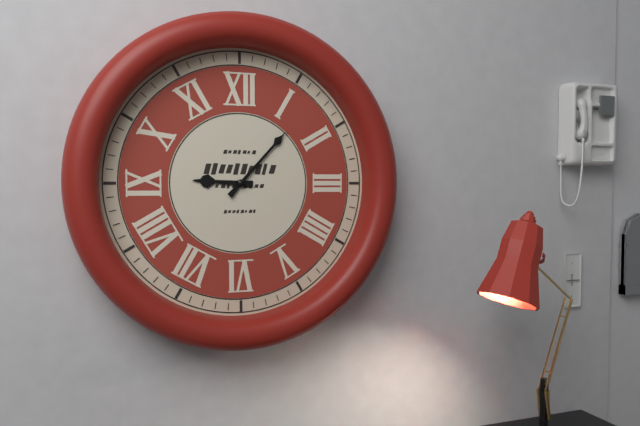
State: 9 h 07 min
